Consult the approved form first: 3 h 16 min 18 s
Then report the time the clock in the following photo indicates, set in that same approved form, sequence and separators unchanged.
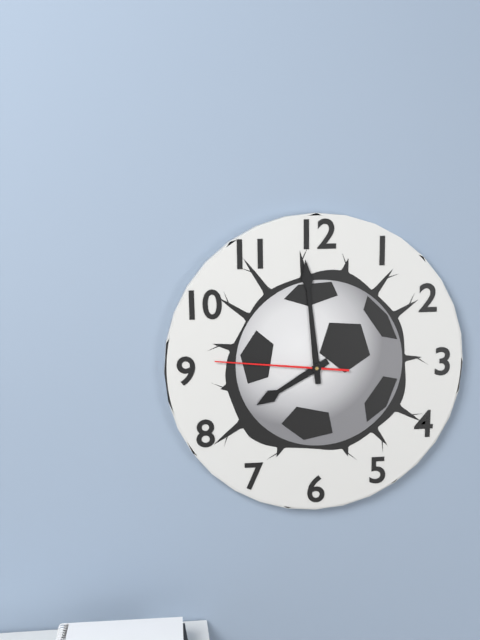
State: 7 h 59 min 46 s
